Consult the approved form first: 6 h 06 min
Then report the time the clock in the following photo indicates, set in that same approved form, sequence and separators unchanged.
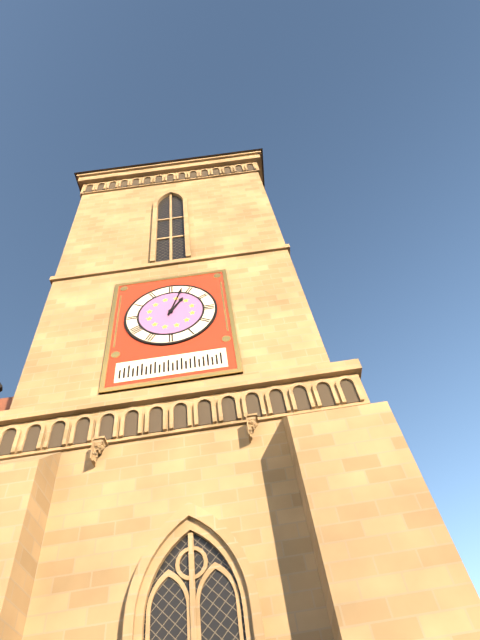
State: 1 h 03 min
